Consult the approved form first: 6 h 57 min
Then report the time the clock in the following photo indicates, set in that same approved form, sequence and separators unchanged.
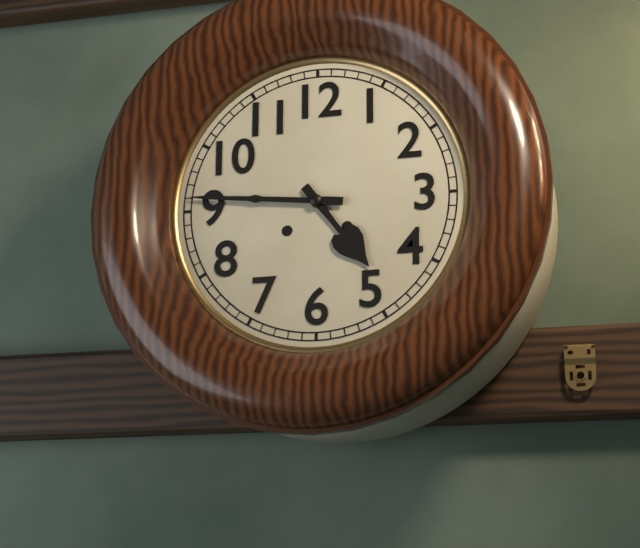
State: 4 h 46 min
